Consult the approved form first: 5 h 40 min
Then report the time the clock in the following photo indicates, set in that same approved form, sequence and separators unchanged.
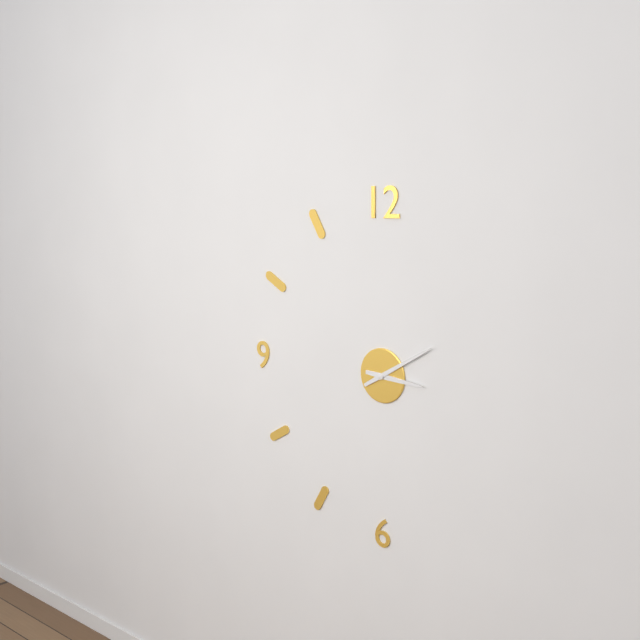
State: 3 h 10 min
